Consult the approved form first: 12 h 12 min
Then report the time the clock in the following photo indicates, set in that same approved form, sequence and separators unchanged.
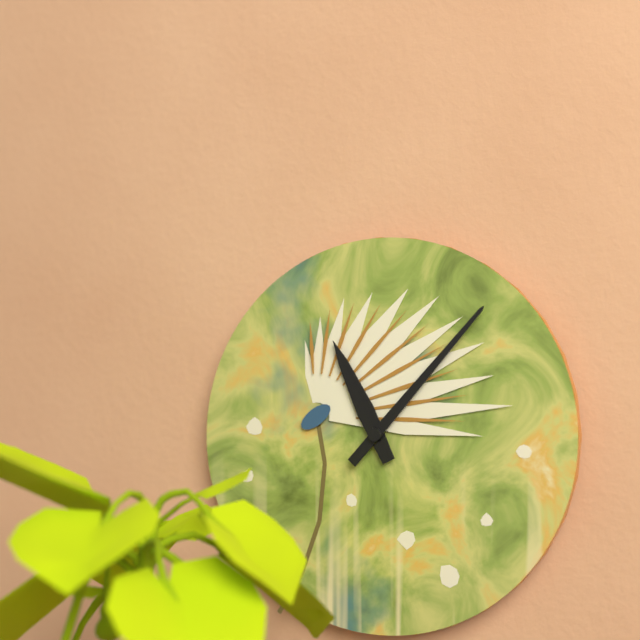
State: 11 h 07 min
